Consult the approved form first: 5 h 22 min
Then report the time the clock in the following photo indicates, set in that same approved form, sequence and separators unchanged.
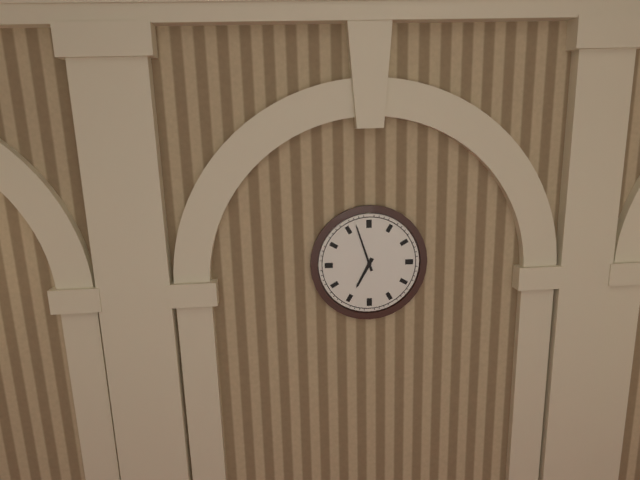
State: 6 h 57 min
